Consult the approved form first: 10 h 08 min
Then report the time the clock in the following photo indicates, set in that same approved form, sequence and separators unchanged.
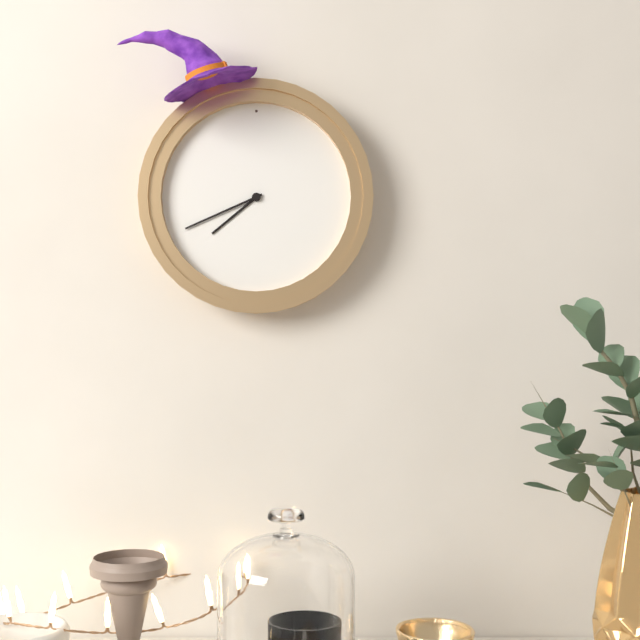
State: 7 h 41 min
